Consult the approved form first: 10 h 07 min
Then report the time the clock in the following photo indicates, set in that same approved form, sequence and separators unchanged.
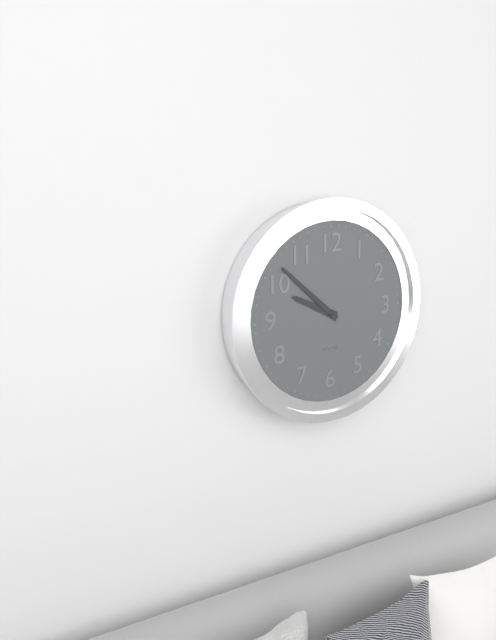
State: 9 h 52 min
